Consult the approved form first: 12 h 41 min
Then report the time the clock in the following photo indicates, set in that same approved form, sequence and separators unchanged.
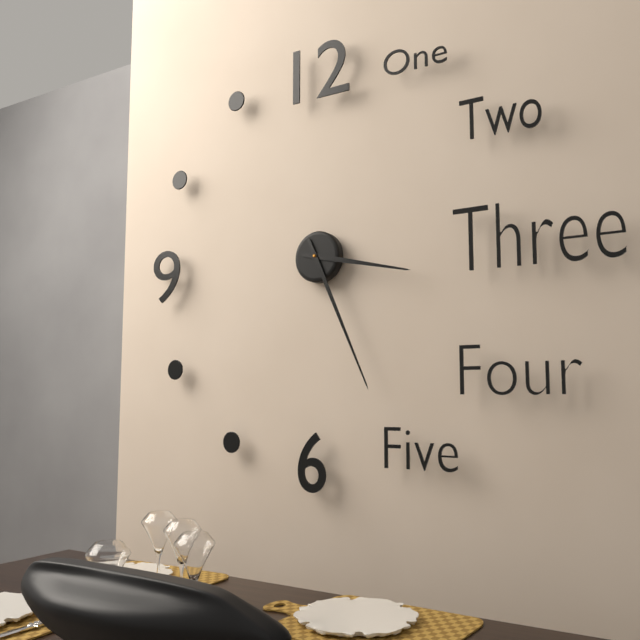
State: 3 h 26 min
